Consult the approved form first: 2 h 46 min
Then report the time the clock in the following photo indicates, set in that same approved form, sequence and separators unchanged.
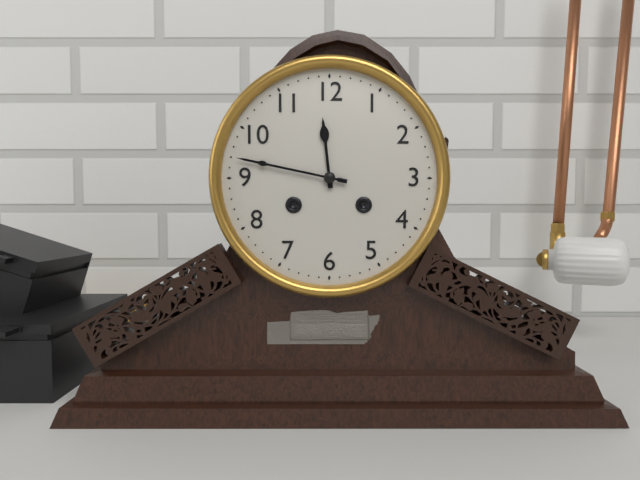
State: 11 h 47 min
